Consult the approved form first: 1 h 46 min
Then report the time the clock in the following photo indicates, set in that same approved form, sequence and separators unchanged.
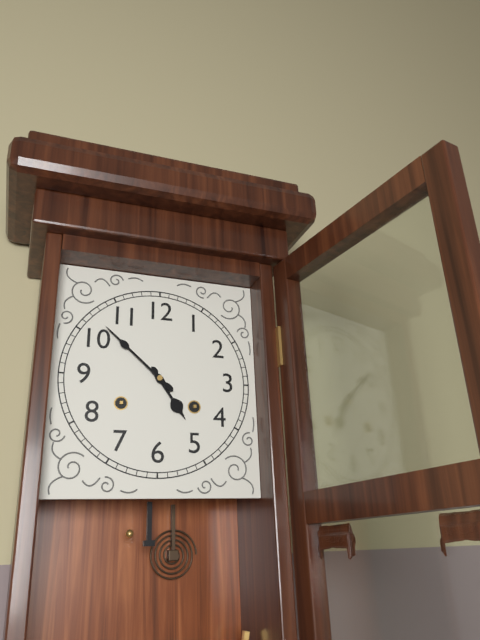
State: 4 h 52 min
